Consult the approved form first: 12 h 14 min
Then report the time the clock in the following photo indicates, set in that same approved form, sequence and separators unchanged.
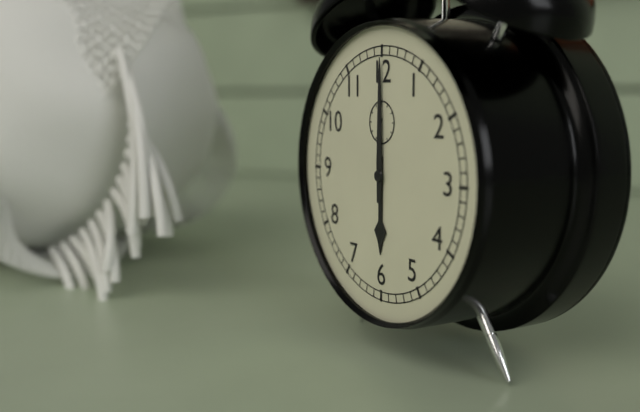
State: 6 h 00 min
